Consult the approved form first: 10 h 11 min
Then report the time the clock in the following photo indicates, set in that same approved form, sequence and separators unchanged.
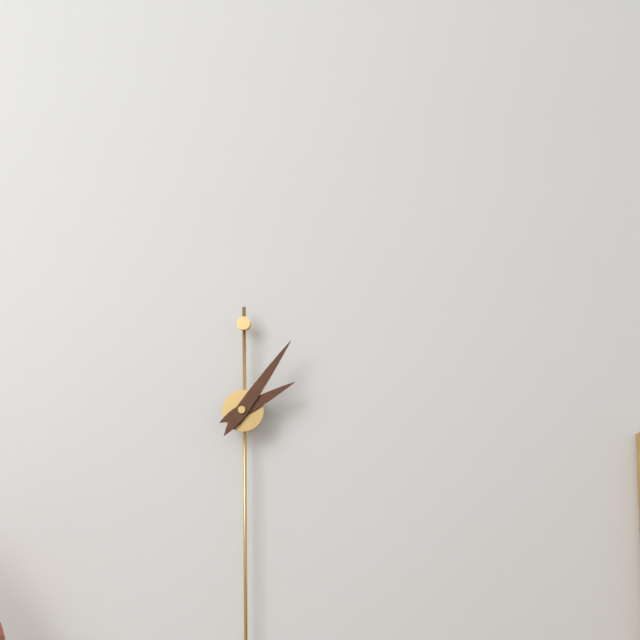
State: 2 h 06 min
